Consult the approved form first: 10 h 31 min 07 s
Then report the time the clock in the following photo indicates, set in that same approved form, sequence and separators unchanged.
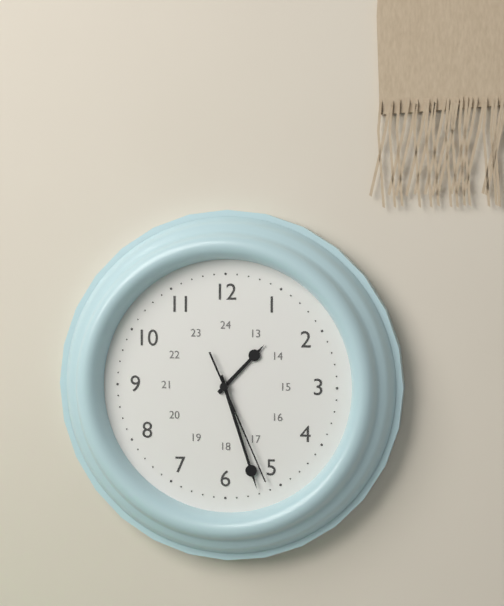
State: 1 h 27 min 26 s
